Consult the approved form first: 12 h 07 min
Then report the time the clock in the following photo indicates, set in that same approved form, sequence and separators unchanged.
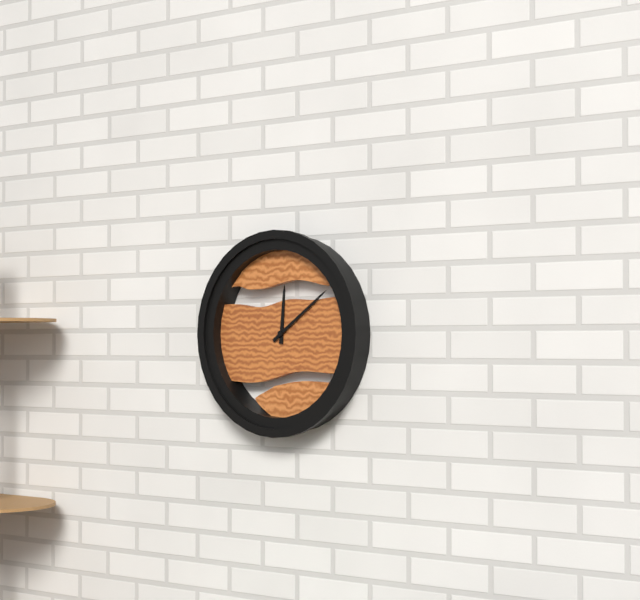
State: 12 h 09 min
